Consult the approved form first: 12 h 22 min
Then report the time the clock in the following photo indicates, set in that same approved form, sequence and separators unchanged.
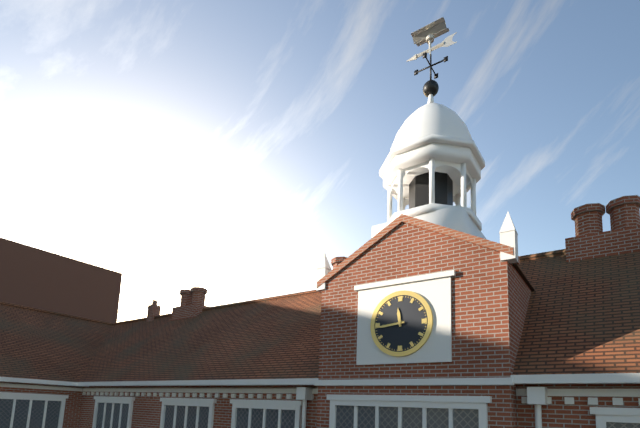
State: 11 h 44 min
